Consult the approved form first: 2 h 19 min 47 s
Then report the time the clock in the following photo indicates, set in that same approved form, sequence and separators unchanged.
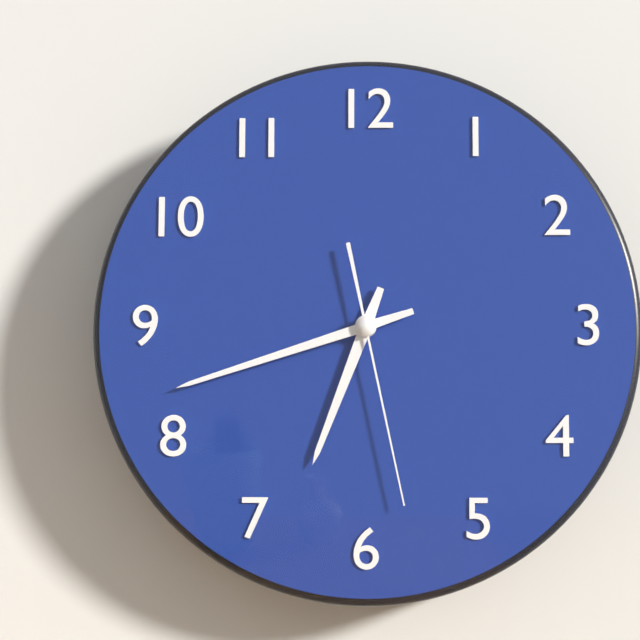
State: 6 h 42 min 28 s
